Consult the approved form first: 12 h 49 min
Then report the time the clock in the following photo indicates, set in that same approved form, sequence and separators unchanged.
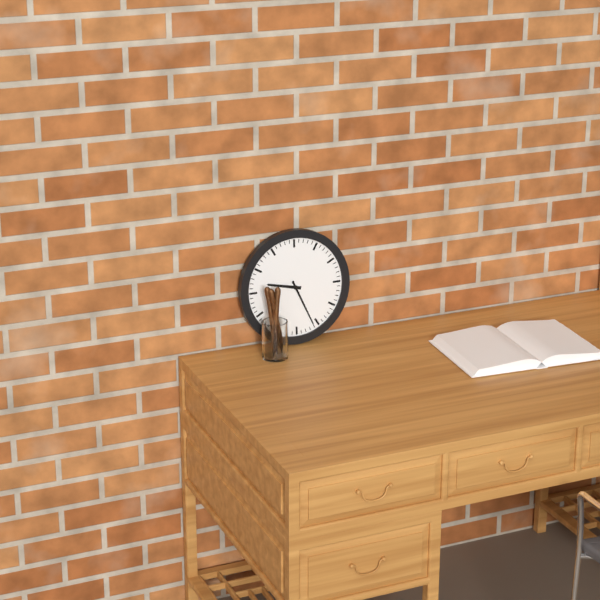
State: 9 h 26 min
